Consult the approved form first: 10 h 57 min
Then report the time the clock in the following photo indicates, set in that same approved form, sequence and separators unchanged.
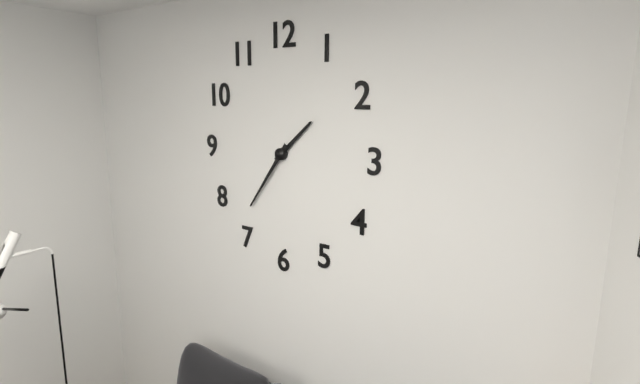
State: 1 h 36 min
